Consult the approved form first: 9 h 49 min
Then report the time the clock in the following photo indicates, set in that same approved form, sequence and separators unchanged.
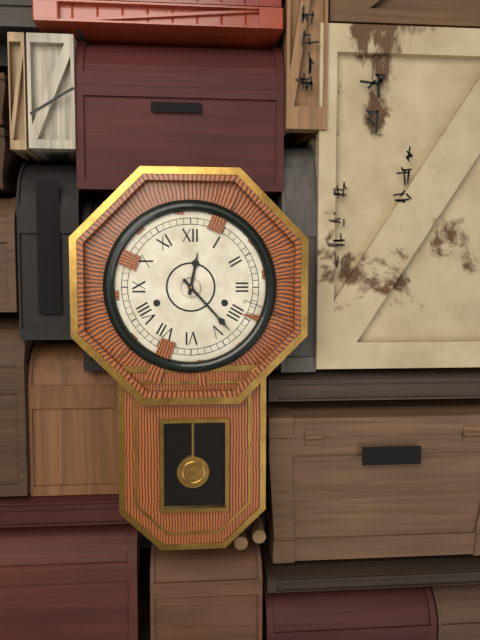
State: 12 h 23 min
